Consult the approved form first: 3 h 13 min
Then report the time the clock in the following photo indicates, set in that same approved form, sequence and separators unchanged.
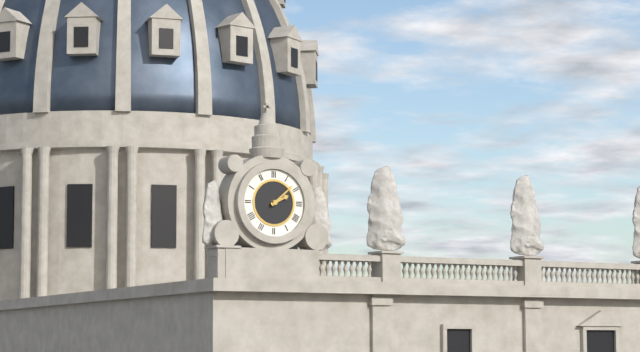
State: 2 h 08 min
